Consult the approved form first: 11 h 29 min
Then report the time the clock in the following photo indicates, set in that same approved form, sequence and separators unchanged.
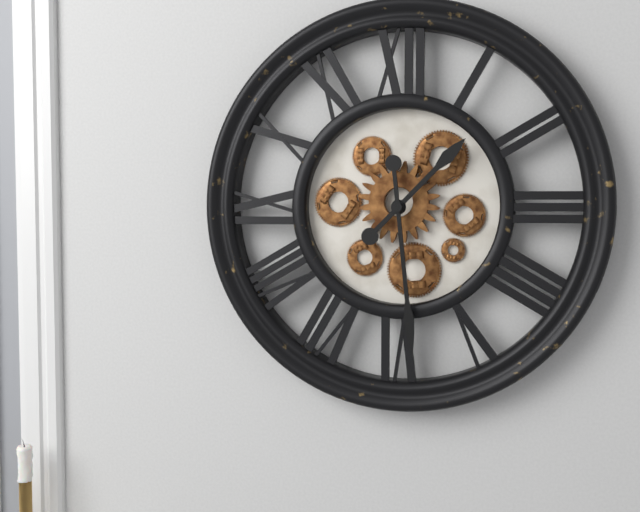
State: 1 h 29 min
